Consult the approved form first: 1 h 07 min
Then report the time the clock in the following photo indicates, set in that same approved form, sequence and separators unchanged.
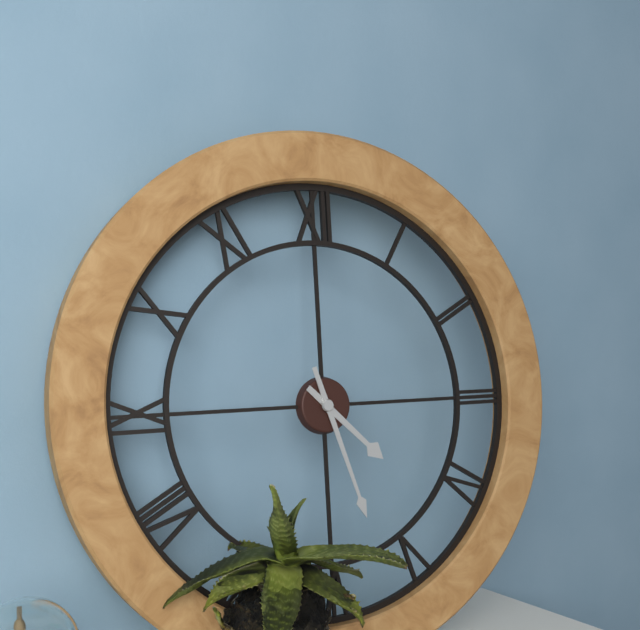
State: 4 h 27 min
